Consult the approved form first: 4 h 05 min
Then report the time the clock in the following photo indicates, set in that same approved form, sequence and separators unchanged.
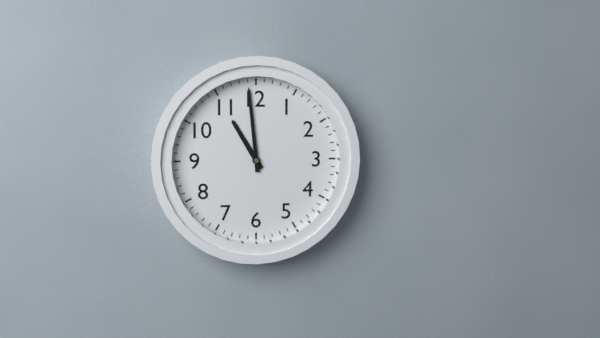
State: 10 h 59 min
